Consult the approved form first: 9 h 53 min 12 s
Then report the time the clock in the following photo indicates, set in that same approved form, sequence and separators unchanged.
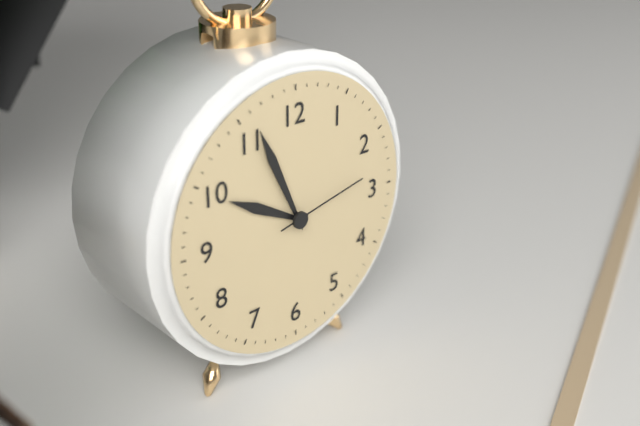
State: 9 h 56 min 13 s
